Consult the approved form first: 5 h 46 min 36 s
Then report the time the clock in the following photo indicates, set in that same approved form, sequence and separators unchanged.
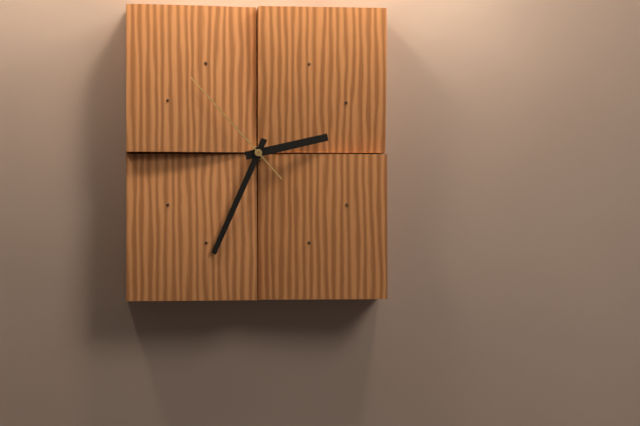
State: 2 h 34 min 53 s
